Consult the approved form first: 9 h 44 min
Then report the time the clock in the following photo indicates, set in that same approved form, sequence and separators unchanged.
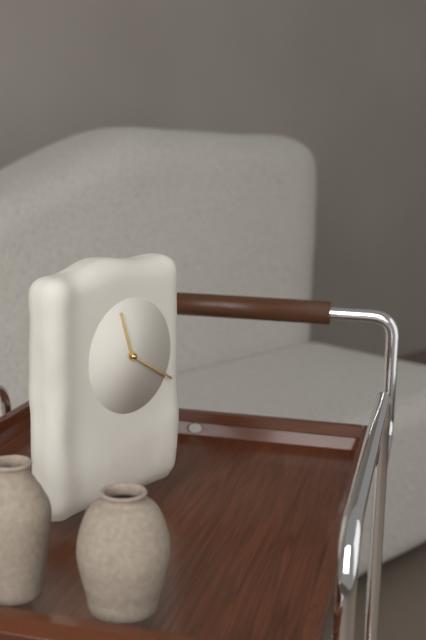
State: 11 h 20 min
